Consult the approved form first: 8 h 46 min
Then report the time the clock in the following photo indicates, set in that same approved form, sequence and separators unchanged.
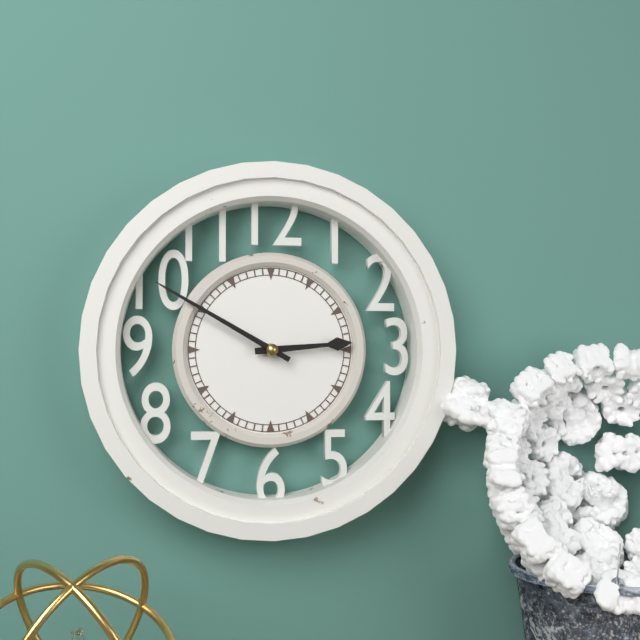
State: 2 h 50 min
